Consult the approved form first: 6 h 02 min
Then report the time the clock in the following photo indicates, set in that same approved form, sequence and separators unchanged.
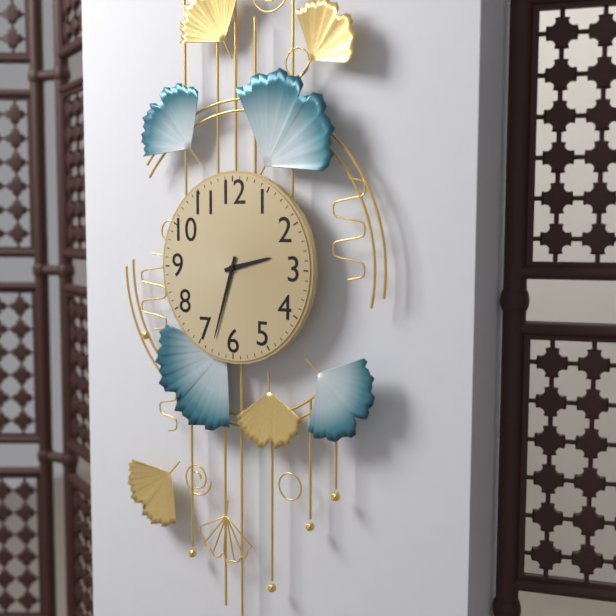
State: 2 h 33 min
